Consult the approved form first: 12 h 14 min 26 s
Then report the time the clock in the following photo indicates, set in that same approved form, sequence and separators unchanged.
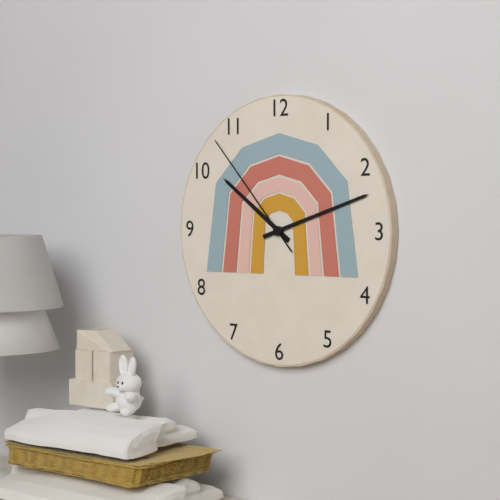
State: 10 h 12 min 53 s
